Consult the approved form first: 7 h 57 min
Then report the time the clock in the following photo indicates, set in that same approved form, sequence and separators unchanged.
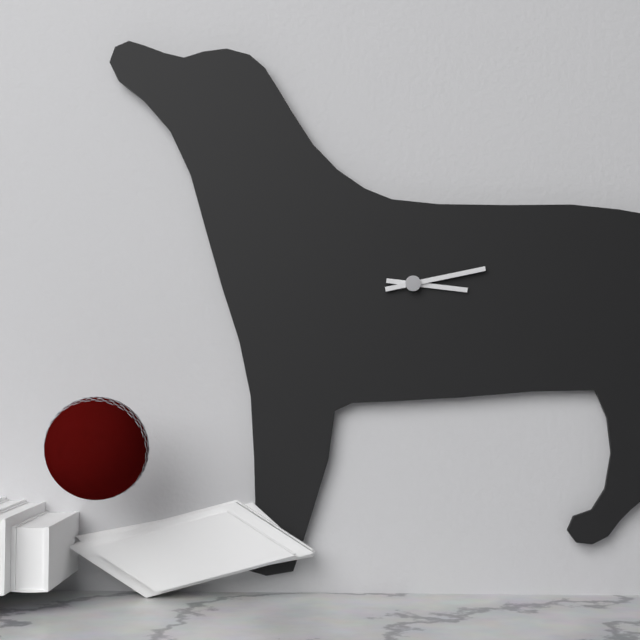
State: 3 h 13 min
